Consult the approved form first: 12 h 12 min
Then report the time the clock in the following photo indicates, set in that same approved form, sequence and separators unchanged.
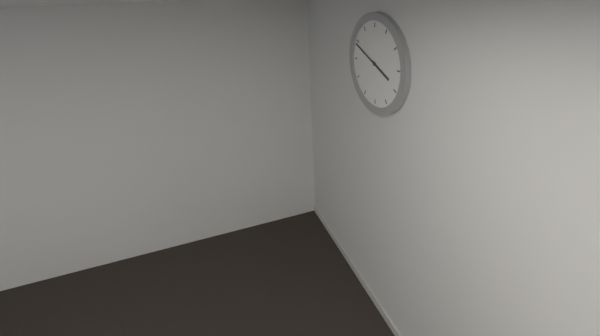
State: 3 h 49 min
